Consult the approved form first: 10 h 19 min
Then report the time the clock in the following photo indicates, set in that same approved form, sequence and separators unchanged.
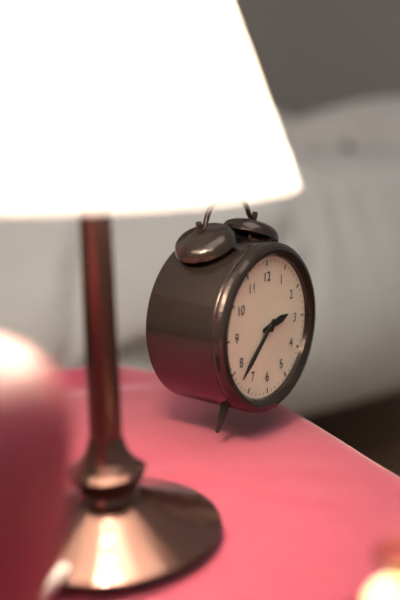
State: 2 h 38 min
